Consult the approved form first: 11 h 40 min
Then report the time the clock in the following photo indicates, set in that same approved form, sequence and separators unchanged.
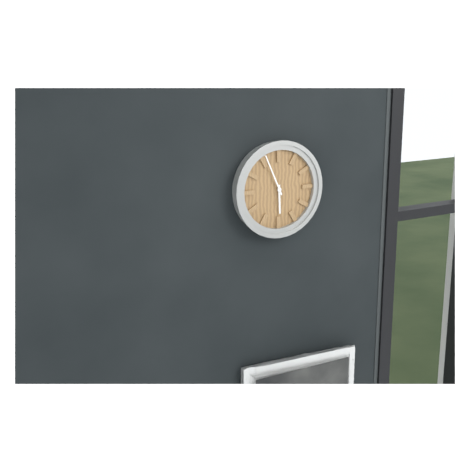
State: 5 h 56 min
